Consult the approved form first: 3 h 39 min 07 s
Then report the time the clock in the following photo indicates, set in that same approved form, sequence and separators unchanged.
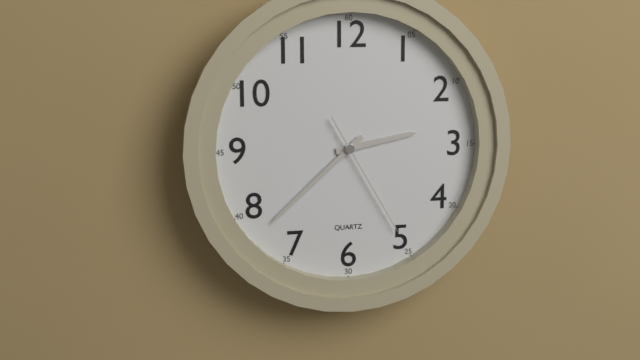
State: 2 h 38 min 25 s
